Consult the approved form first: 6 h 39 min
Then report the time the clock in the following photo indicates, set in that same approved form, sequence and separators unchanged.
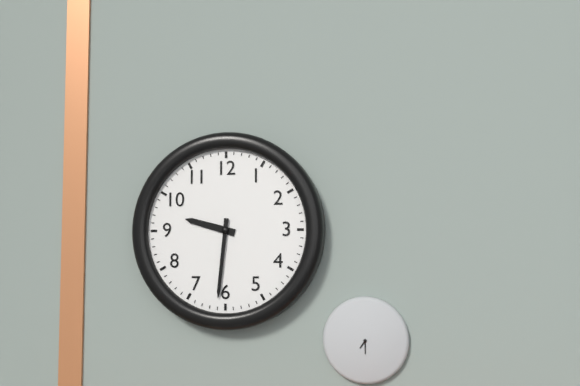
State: 9 h 31 min
